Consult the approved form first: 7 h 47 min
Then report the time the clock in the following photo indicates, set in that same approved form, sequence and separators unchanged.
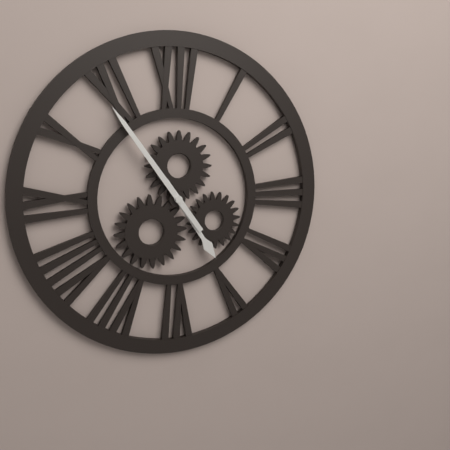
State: 4 h 54 min
